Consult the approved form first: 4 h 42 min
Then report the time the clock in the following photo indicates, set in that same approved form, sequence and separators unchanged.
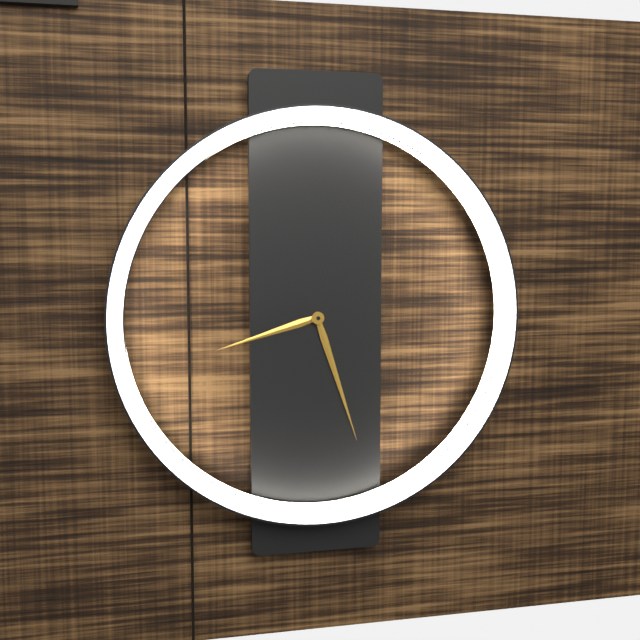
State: 8 h 27 min
